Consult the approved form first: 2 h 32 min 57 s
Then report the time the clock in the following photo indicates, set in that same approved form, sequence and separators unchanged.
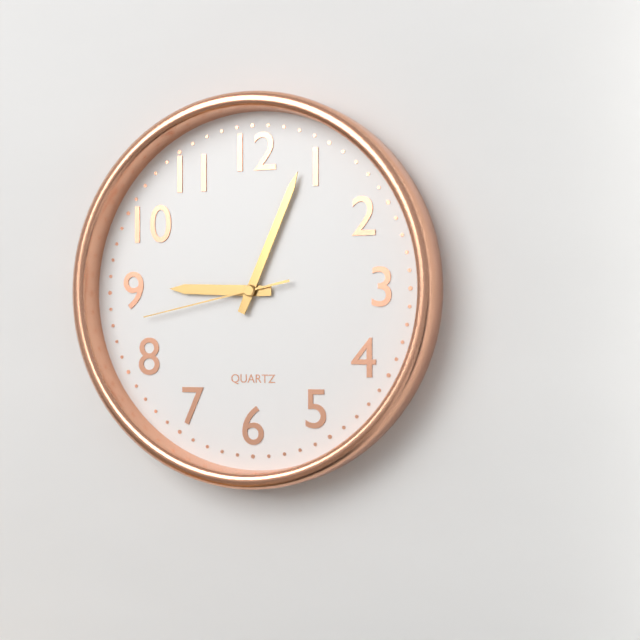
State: 9 h 04 min 43 s
